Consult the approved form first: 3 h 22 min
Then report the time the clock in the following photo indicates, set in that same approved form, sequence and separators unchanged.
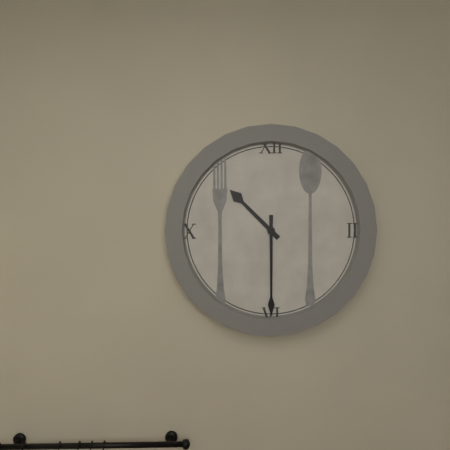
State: 10 h 30 min
